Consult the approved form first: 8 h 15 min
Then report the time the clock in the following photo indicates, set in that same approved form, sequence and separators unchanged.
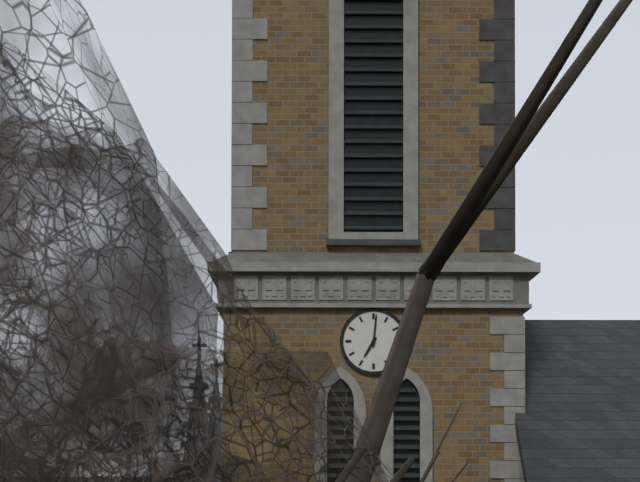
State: 7 h 01 min
